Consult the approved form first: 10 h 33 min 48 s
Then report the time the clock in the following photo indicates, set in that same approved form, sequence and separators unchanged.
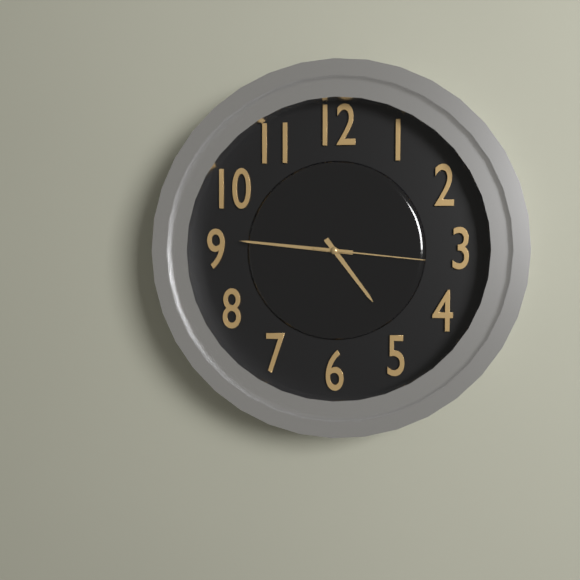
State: 4 h 46 min 16 s
